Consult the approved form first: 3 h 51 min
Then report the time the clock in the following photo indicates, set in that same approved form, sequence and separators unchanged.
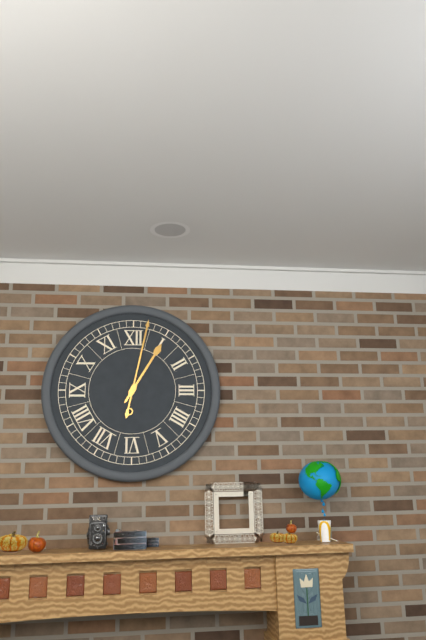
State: 1 h 02 min
